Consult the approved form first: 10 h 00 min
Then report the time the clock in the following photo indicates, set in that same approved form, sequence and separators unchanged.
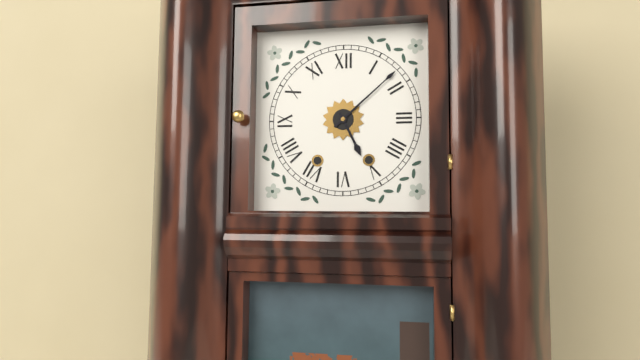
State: 5 h 08 min
